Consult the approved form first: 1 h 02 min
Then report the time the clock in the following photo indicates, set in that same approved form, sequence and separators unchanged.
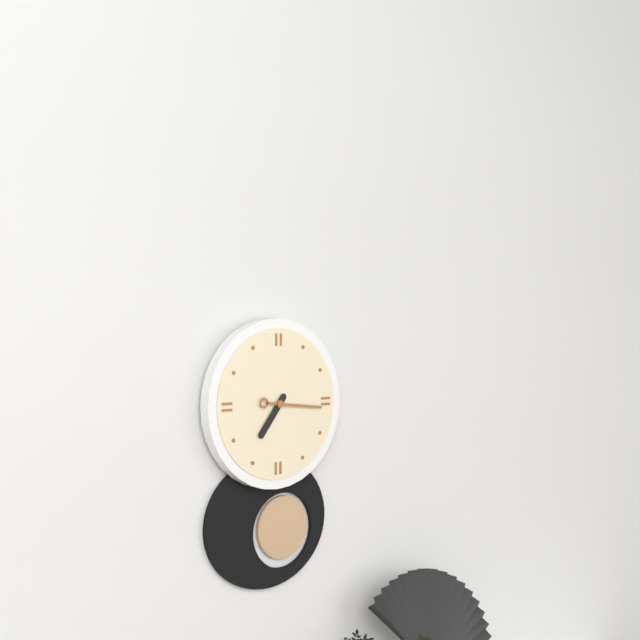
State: 7 h 16 min
